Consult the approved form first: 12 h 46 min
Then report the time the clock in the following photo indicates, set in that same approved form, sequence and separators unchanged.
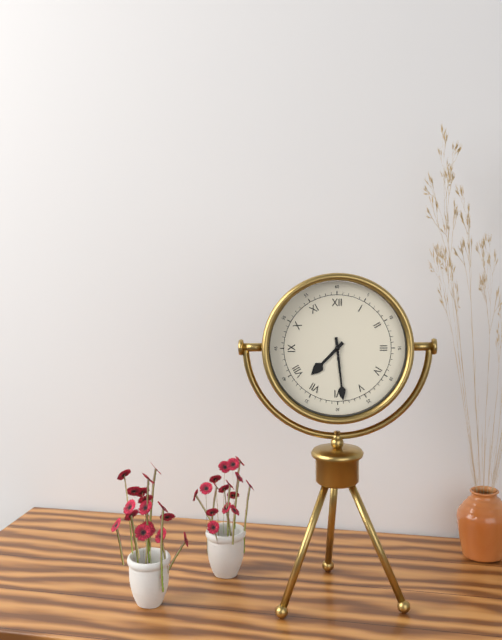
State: 7 h 29 min
